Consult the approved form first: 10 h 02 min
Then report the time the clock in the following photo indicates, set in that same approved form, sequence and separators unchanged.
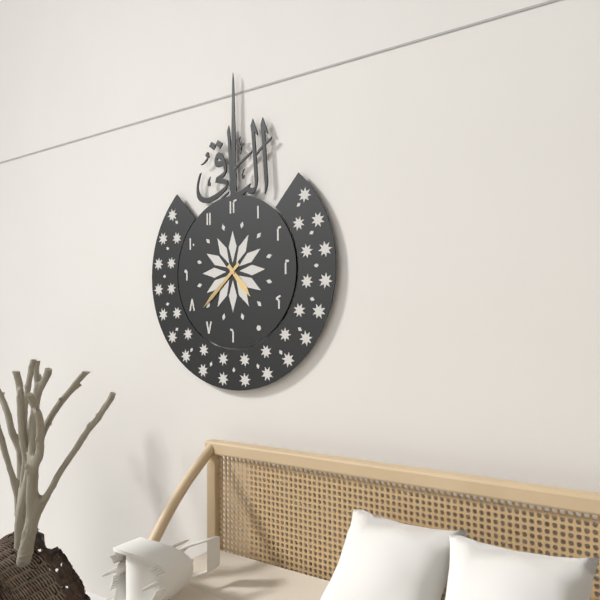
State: 4 h 38 min
